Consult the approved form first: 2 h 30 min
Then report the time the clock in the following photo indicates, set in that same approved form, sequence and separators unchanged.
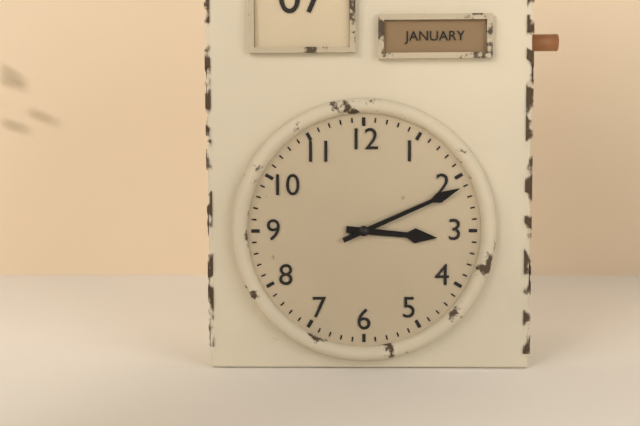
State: 3 h 11 min
